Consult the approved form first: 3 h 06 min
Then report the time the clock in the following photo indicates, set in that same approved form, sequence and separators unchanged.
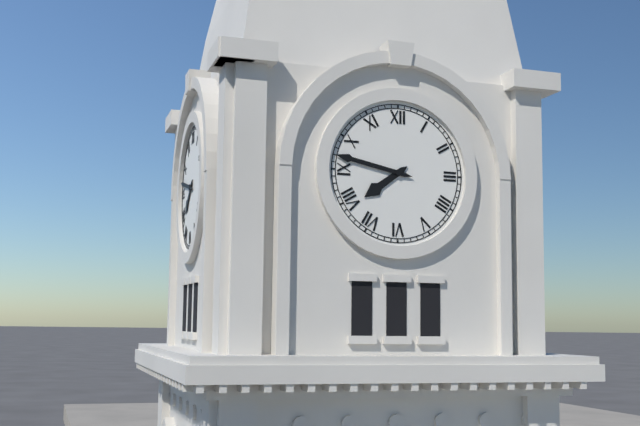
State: 7 h 47 min
